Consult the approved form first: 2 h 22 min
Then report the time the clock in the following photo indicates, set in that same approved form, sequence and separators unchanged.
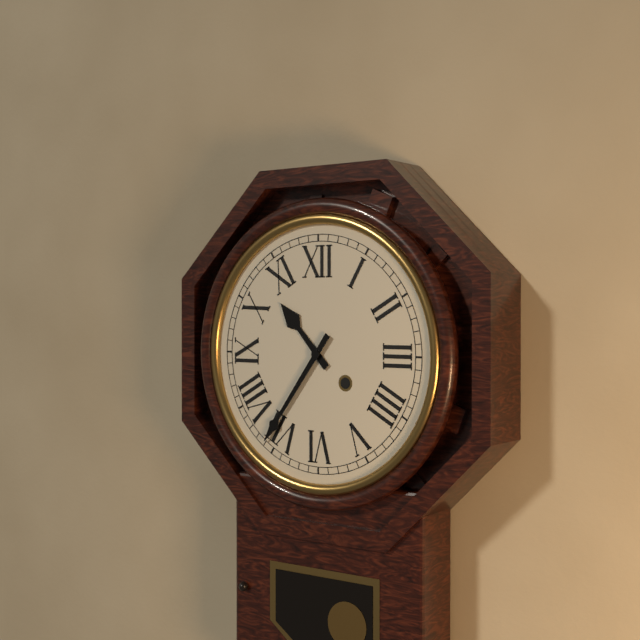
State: 10 h 36 min
